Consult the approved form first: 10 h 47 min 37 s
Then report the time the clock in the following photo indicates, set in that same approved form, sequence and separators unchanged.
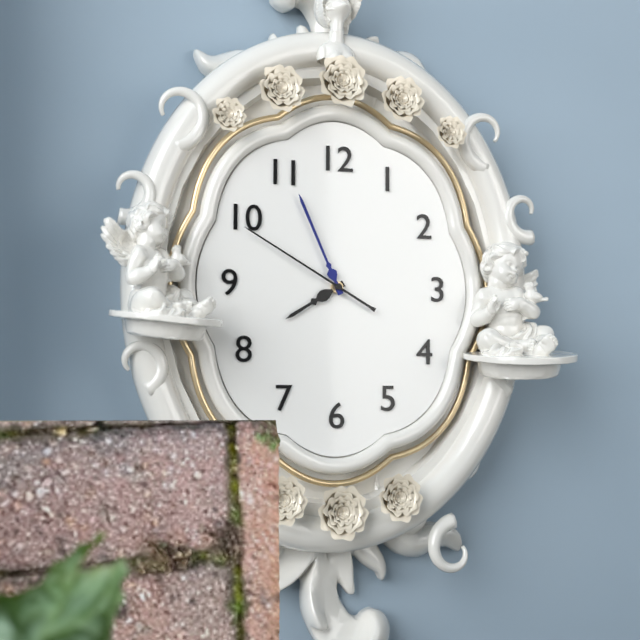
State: 7 h 56 min 50 s
